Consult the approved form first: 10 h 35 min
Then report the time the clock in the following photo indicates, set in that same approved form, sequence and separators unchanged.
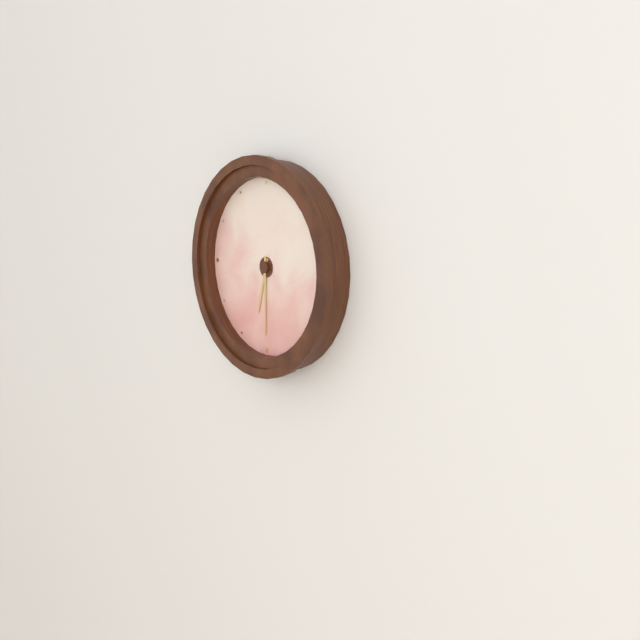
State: 6 h 30 min
